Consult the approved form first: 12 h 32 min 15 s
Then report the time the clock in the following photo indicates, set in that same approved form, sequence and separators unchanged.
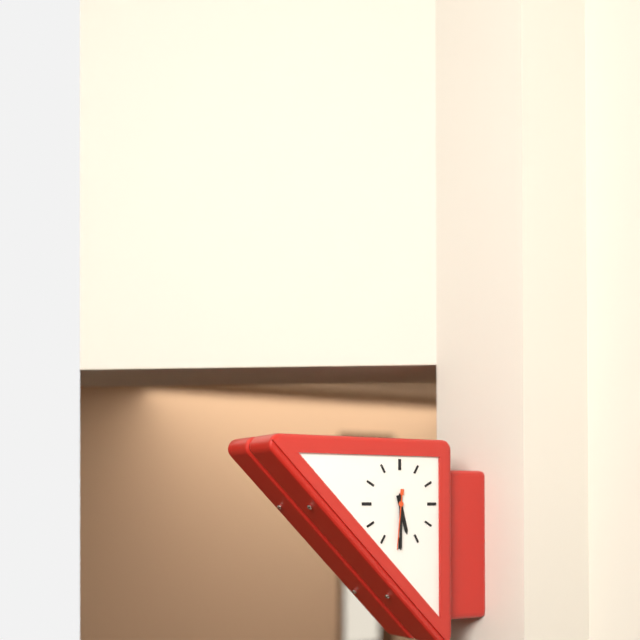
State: 5 h 30 min 31 s
